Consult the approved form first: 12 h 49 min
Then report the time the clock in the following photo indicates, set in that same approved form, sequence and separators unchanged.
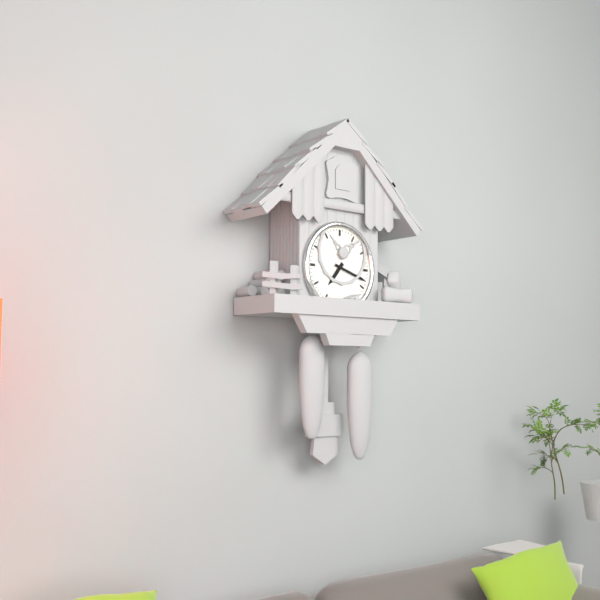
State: 7 h 18 min
